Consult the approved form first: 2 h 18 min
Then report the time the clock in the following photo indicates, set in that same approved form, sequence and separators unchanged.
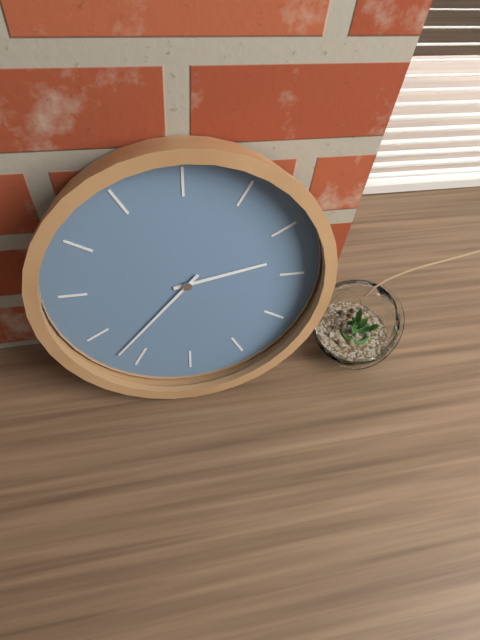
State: 2 h 37 min
